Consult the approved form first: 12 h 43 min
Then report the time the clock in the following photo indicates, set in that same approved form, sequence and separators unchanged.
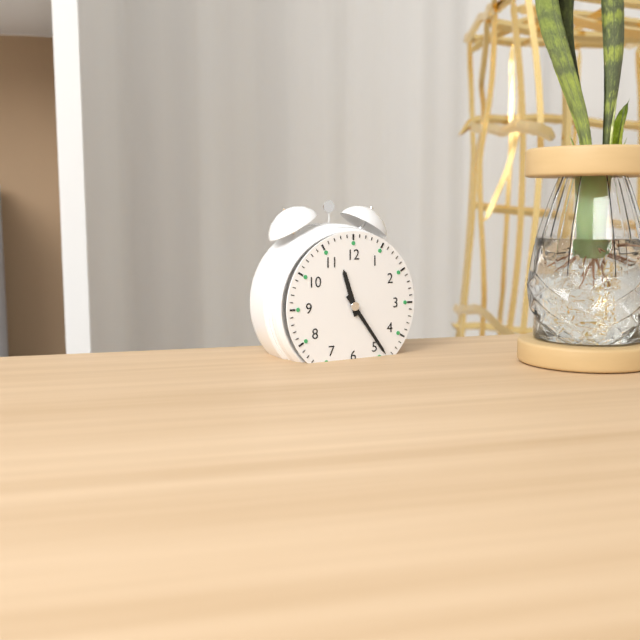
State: 11 h 24 min
